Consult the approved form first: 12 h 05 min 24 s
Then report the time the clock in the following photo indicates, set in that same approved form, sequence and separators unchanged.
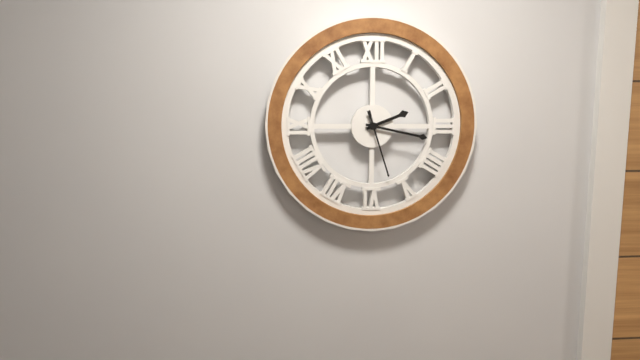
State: 2 h 17 min 27 s
